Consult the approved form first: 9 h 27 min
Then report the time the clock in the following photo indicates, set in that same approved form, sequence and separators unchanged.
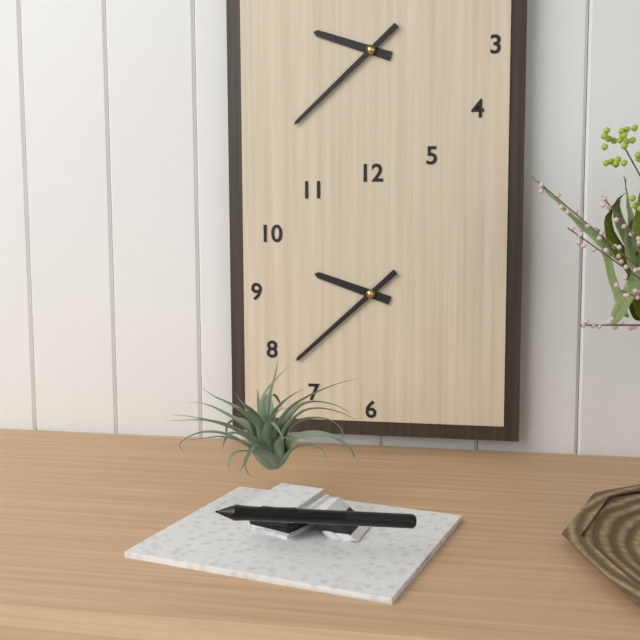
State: 9 h 38 min
